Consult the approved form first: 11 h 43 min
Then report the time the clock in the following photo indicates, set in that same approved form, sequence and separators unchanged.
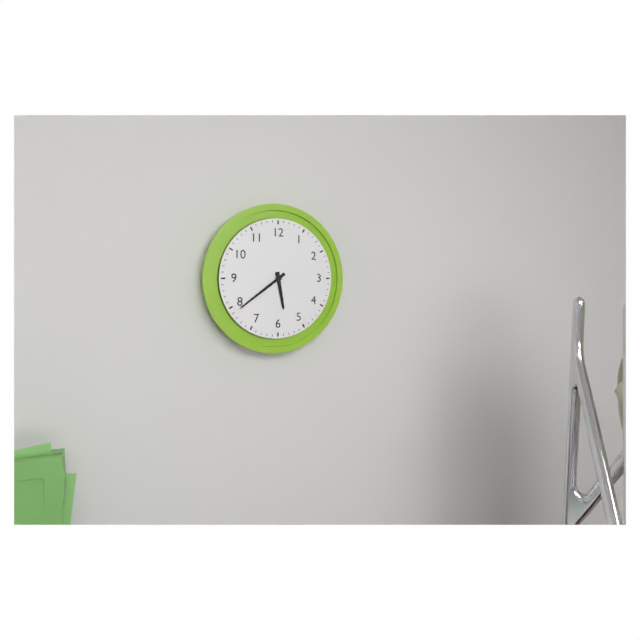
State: 5 h 39 min
